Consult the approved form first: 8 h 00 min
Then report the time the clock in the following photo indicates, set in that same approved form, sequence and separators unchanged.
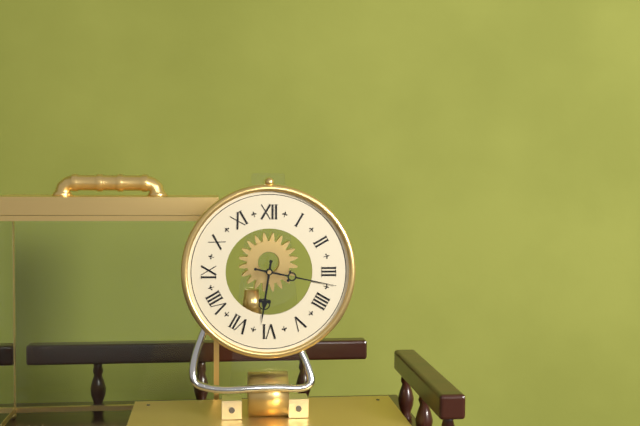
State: 6 h 17 min
